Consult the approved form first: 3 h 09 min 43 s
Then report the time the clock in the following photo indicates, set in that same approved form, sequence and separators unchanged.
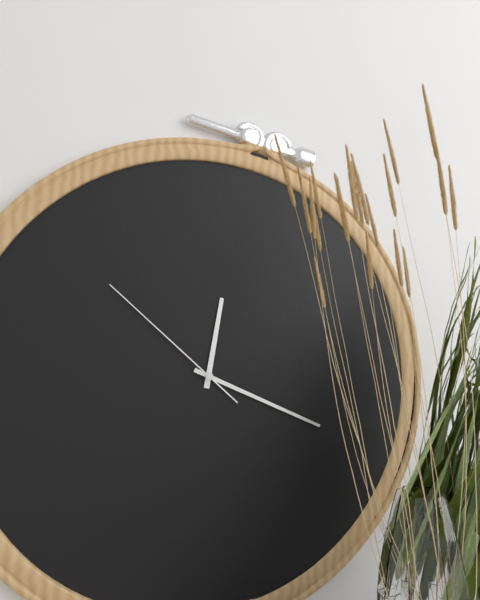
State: 12 h 19 min 52 s
